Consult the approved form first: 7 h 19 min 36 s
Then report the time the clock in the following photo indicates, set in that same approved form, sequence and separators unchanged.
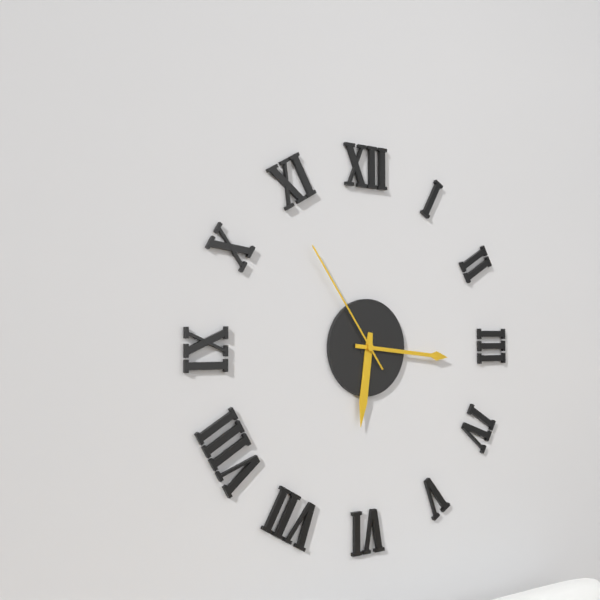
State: 6 h 16 min 54 s
